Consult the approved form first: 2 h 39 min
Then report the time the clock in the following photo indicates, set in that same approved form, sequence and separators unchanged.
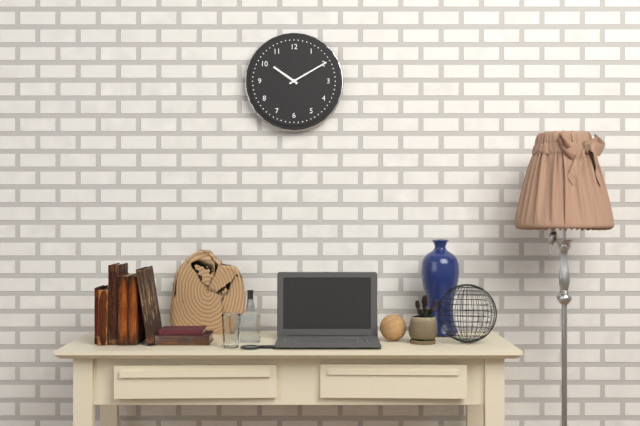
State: 10 h 10 min
